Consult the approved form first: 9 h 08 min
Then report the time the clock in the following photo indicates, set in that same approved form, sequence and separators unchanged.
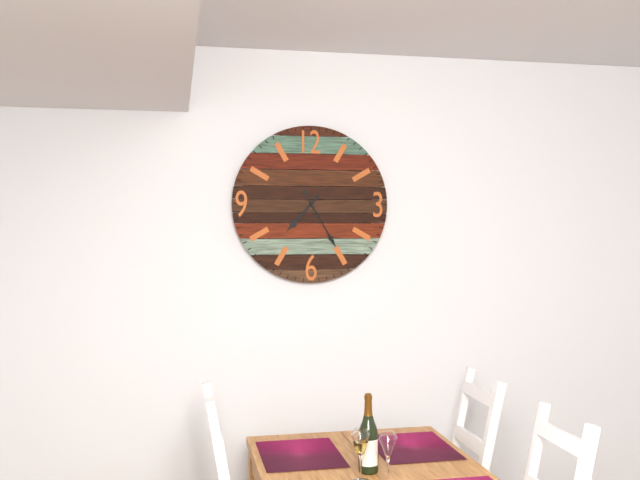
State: 7 h 25 min
